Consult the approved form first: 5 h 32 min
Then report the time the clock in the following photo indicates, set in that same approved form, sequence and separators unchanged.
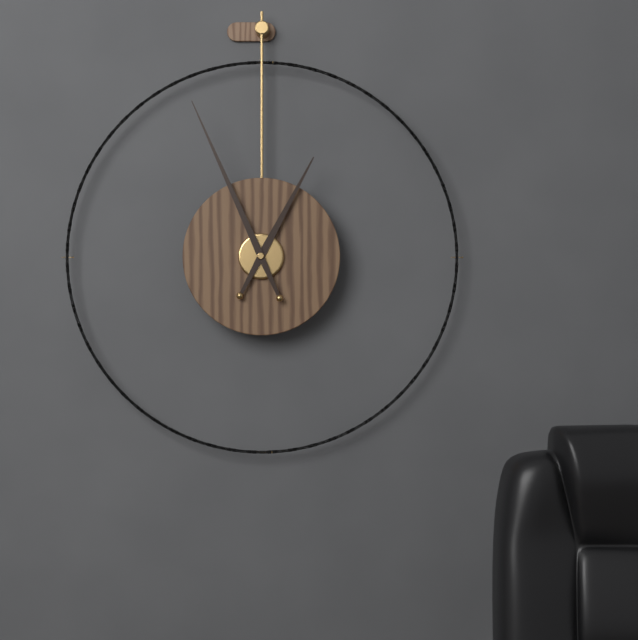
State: 12 h 56 min
